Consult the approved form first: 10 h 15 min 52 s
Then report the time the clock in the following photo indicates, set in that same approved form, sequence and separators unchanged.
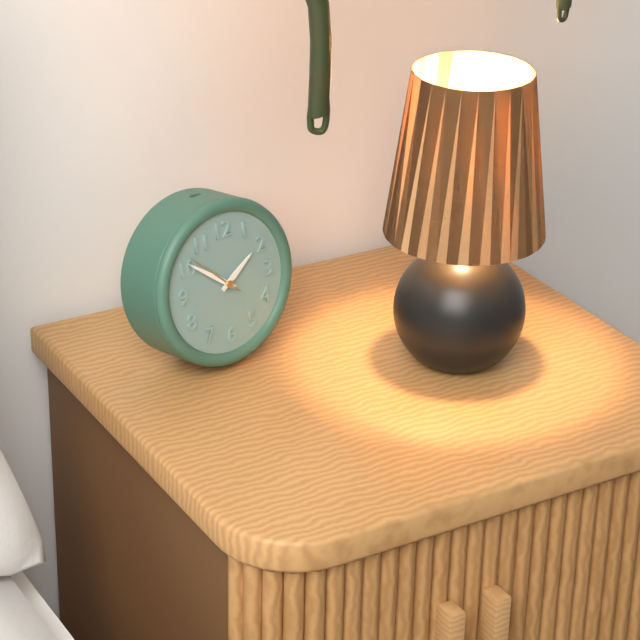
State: 1 h 51 min 52 s
